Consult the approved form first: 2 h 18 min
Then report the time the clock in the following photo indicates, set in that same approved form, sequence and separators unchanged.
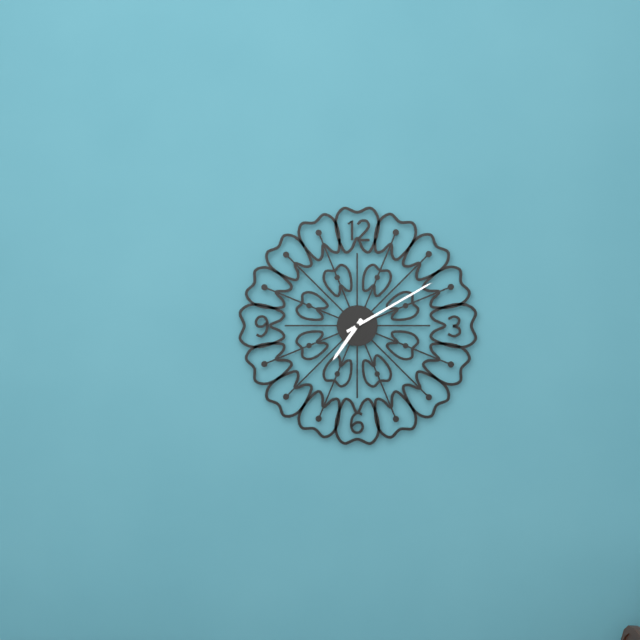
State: 7 h 10 min
